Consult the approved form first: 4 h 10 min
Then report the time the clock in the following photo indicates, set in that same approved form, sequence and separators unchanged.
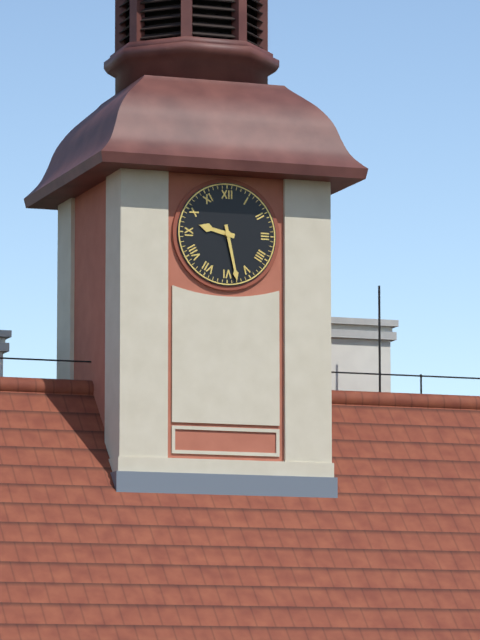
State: 9 h 28 min
